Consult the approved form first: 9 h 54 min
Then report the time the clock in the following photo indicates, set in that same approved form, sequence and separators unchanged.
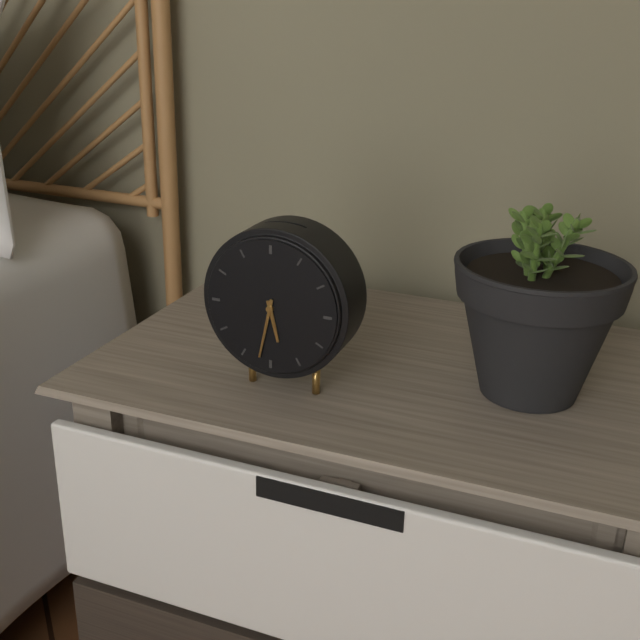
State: 5 h 32 min
